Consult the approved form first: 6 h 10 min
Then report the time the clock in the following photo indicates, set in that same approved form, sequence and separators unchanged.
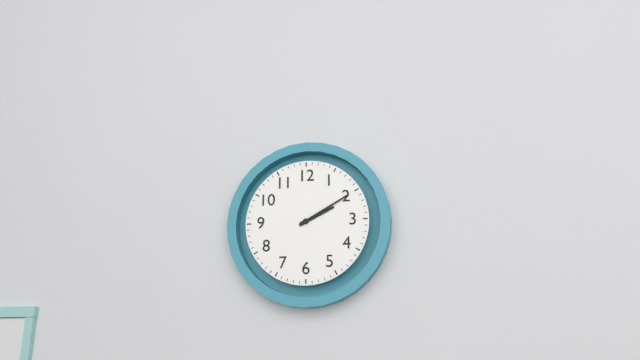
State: 2 h 10 min
